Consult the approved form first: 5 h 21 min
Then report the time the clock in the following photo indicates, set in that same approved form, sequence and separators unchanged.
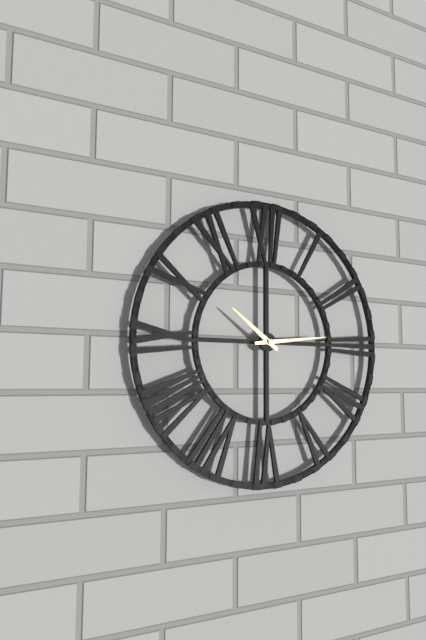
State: 10 h 14 min
